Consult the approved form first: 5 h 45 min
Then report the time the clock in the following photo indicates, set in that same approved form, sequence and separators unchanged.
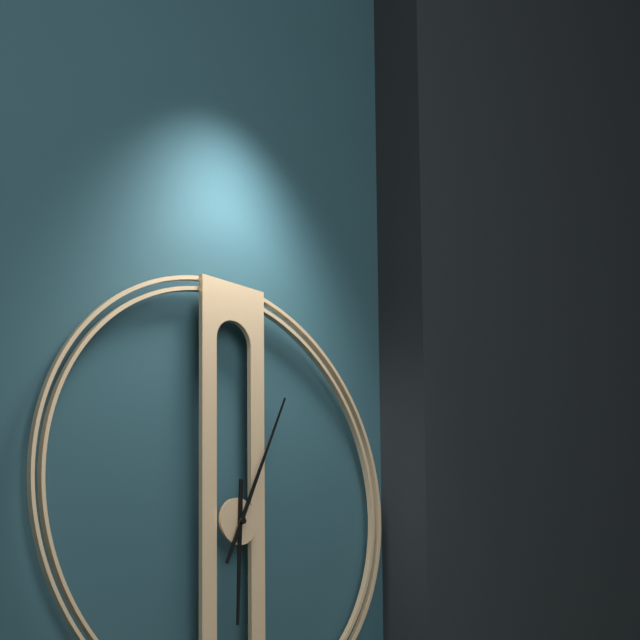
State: 6 h 04 min
